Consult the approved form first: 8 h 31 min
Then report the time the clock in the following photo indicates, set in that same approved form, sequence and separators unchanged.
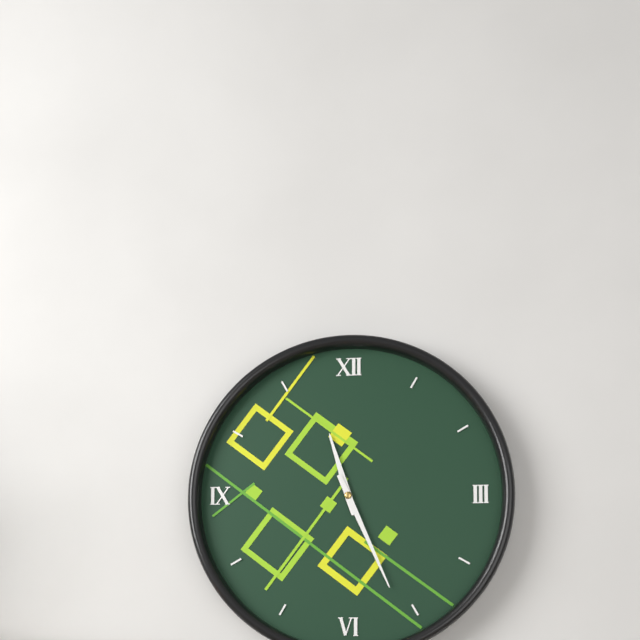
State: 11 h 26 min
